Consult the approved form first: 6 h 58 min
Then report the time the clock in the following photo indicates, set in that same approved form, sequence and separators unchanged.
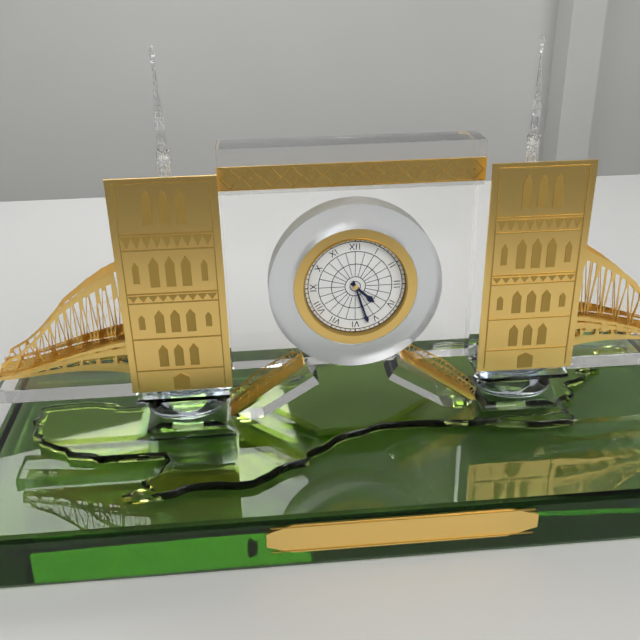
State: 4 h 27 min
